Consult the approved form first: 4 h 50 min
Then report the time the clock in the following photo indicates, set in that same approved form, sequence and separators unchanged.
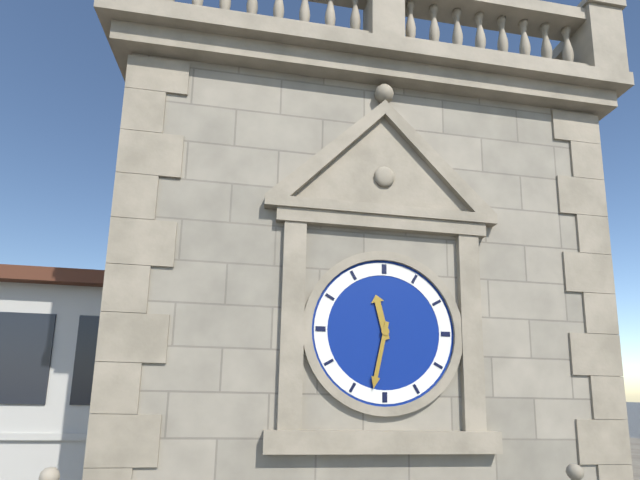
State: 11 h 32 min
